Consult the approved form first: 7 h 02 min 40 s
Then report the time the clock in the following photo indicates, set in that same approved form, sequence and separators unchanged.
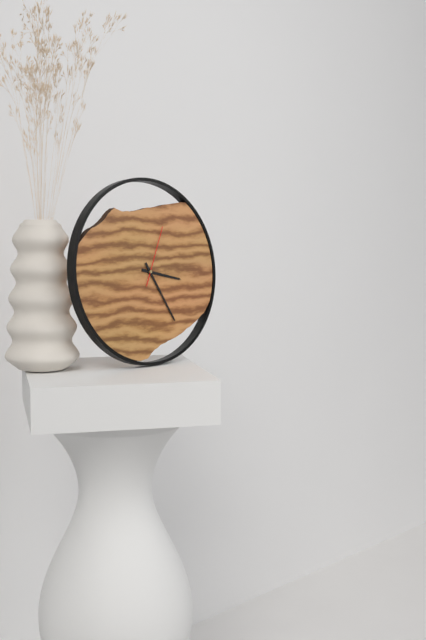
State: 3 h 25 min 04 s
